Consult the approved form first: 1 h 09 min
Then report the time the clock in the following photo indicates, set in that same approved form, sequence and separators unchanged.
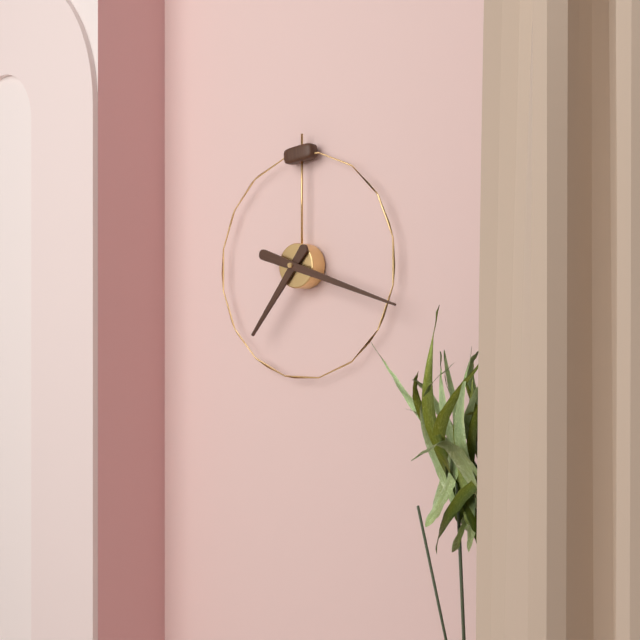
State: 7 h 18 min
